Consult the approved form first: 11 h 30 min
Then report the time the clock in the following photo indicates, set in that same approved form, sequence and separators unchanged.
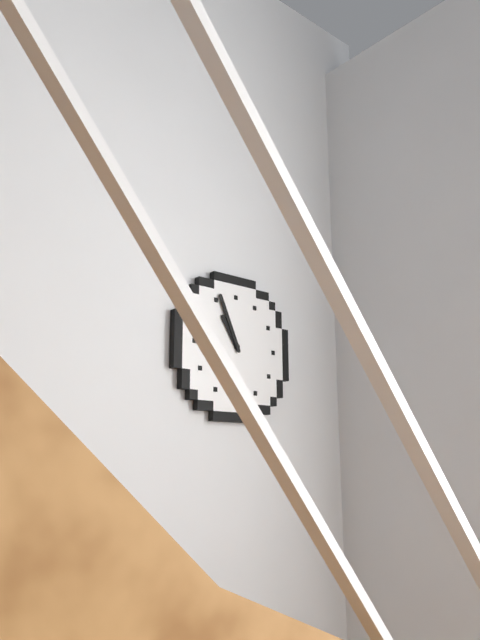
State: 10 h 56 min
